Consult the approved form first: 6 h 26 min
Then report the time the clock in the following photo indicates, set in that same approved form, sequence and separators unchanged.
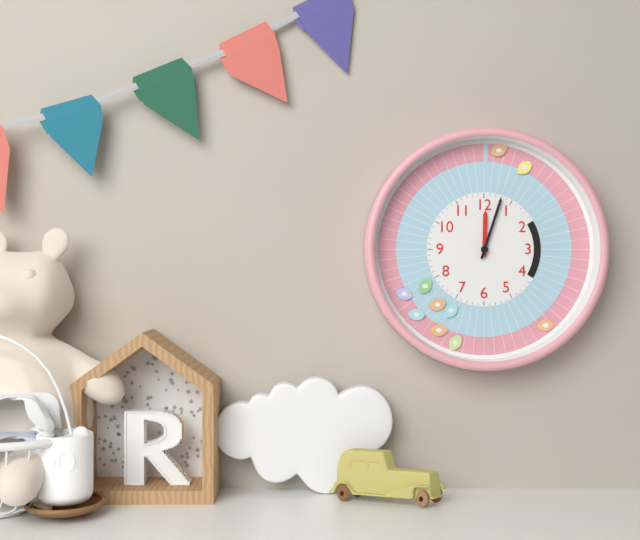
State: 12 h 03 min
